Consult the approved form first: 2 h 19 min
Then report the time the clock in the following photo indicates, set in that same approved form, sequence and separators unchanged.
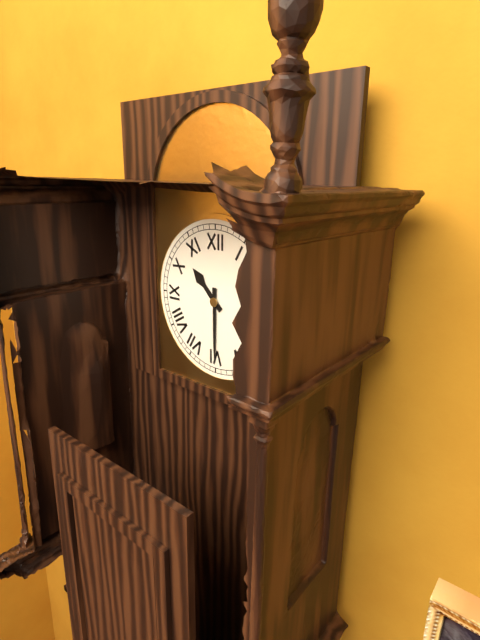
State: 10 h 30 min
